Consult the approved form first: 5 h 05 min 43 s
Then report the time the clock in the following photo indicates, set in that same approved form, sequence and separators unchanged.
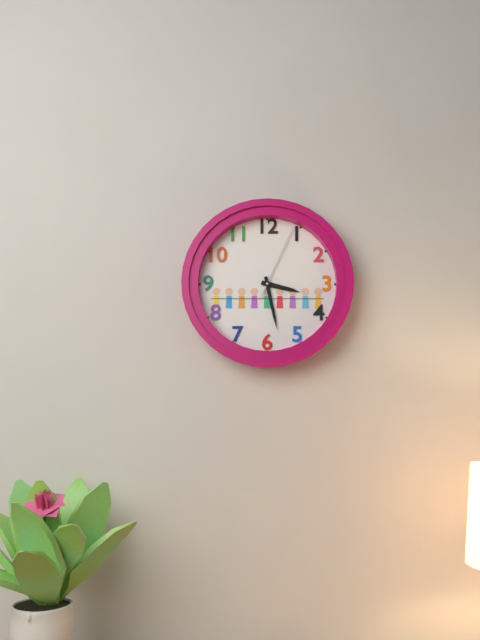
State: 3 h 28 min 04 s
